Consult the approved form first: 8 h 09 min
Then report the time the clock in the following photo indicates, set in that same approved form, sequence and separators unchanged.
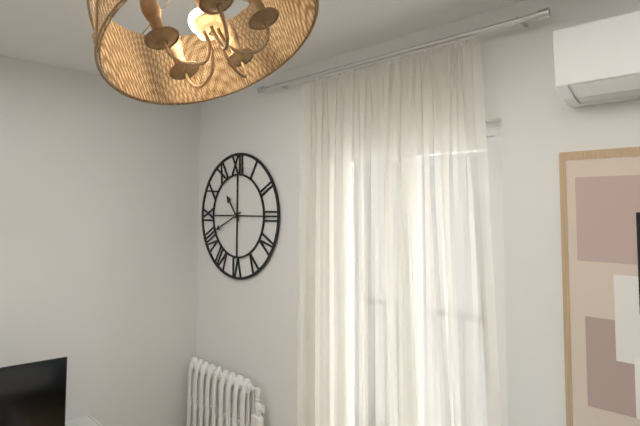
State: 10 h 41 min
